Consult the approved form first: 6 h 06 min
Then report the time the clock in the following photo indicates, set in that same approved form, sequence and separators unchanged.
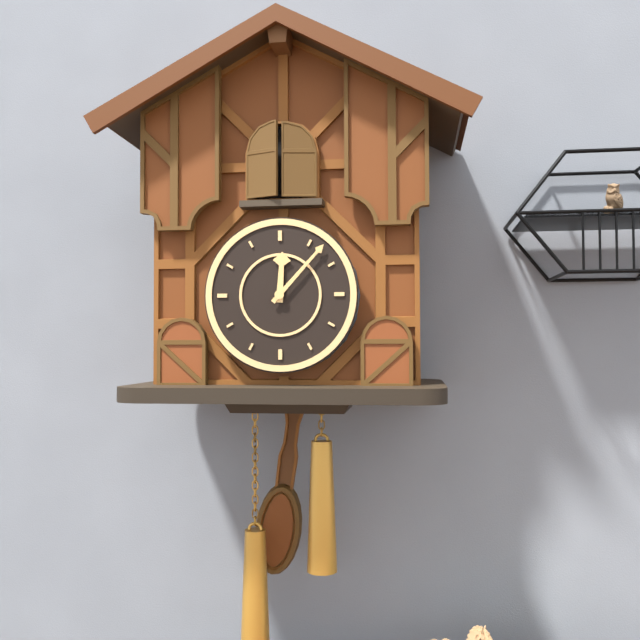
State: 12 h 07 min
